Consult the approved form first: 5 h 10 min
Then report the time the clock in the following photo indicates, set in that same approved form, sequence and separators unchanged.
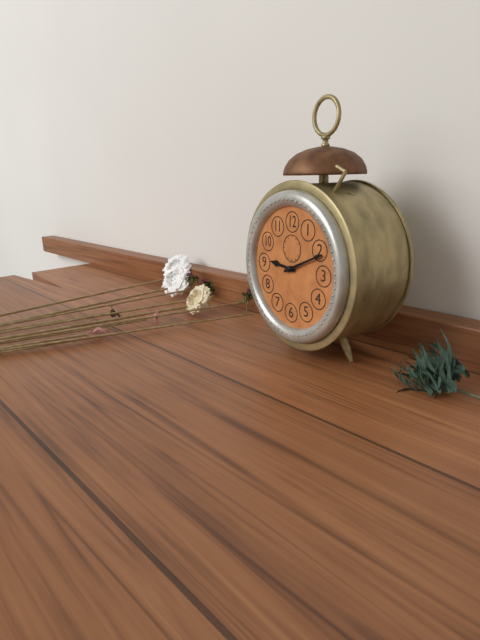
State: 9 h 11 min
